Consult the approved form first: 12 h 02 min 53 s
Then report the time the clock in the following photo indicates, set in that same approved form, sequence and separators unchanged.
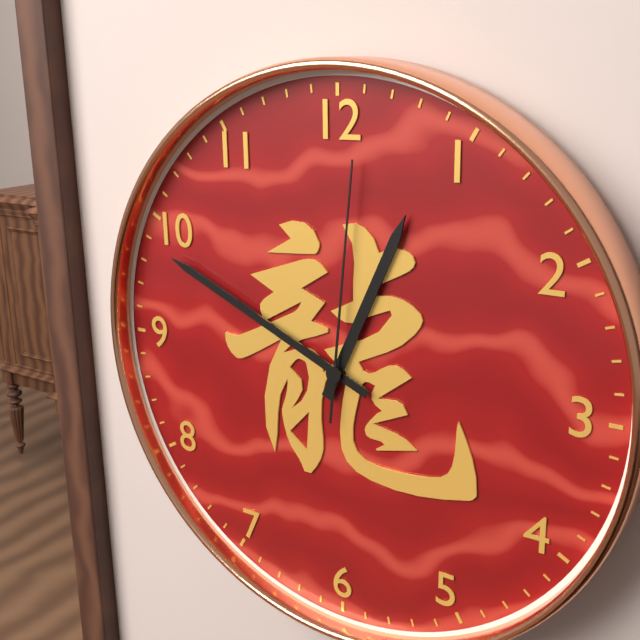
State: 12 h 49 min 01 s
